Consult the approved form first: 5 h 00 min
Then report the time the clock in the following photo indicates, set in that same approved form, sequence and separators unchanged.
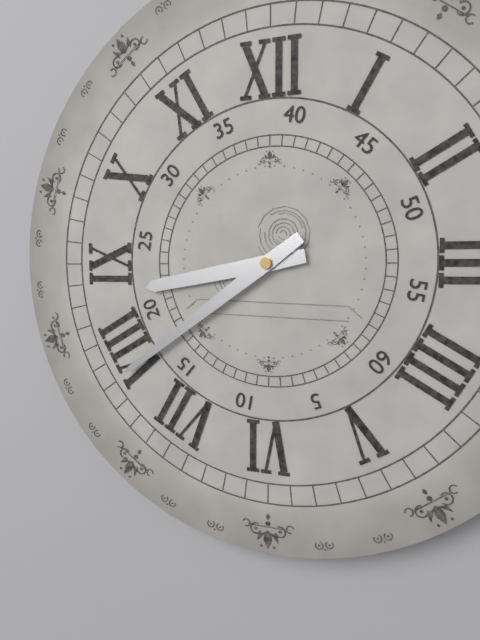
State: 8 h 39 min
